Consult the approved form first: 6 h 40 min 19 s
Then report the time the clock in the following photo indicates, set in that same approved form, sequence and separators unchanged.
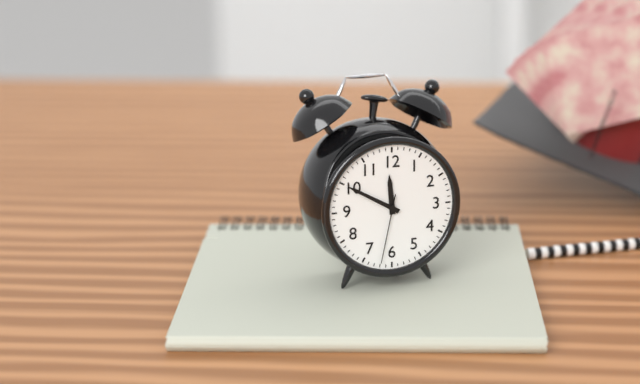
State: 11 h 50 min 32 s
